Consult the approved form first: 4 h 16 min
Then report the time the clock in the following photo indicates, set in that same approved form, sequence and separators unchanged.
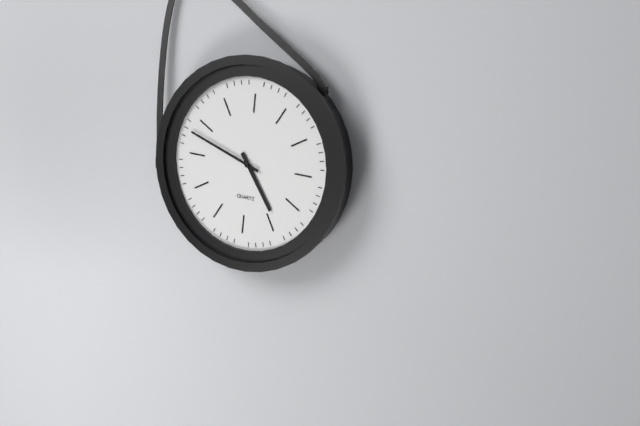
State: 4 h 48 min
